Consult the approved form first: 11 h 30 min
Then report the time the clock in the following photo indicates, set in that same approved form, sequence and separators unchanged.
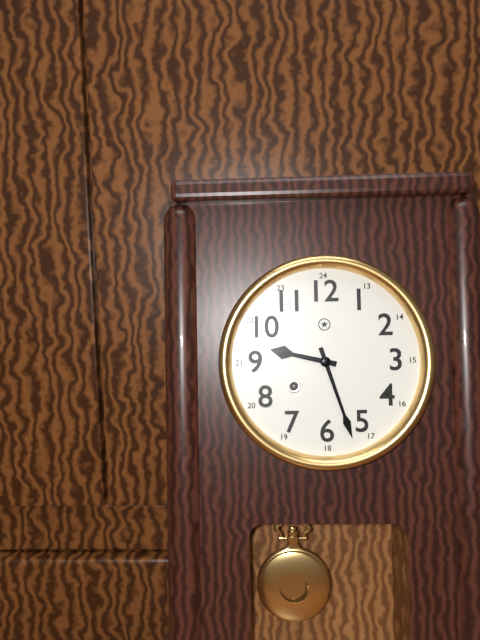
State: 9 h 27 min
